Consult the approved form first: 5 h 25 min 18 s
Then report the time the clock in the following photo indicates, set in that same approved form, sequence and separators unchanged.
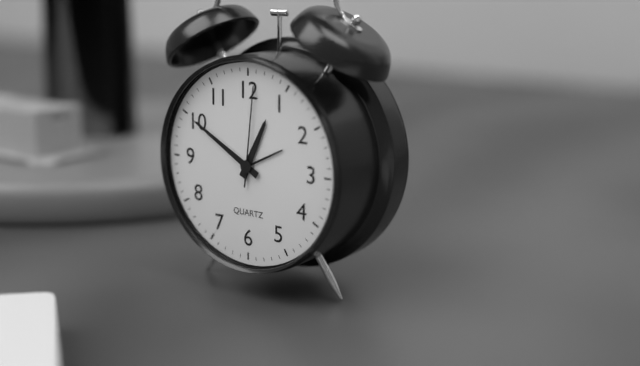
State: 12 h 50 min 01 s
